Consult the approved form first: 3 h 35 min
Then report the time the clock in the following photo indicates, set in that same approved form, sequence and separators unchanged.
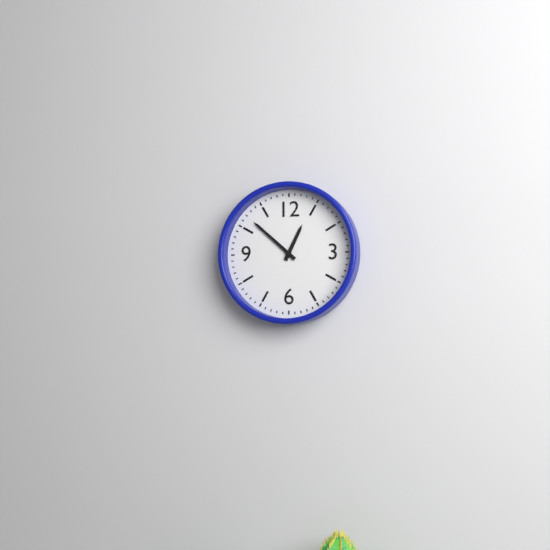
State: 12 h 52 min
